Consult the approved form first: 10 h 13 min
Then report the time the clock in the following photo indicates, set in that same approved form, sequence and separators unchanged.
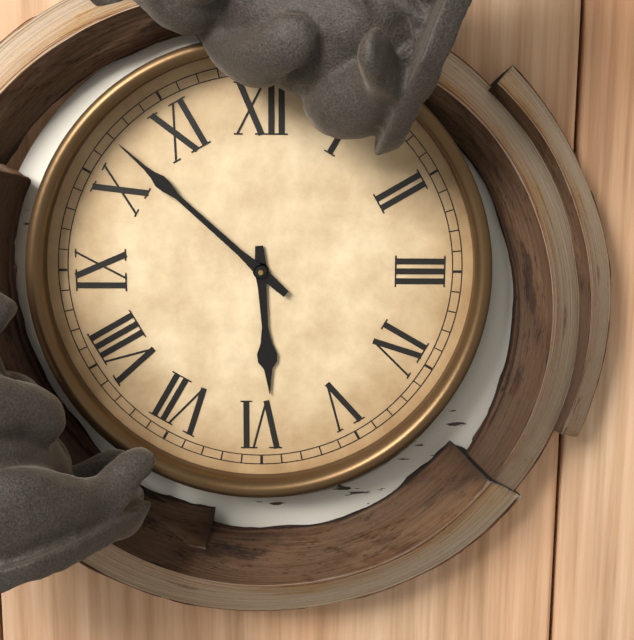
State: 5 h 52 min
